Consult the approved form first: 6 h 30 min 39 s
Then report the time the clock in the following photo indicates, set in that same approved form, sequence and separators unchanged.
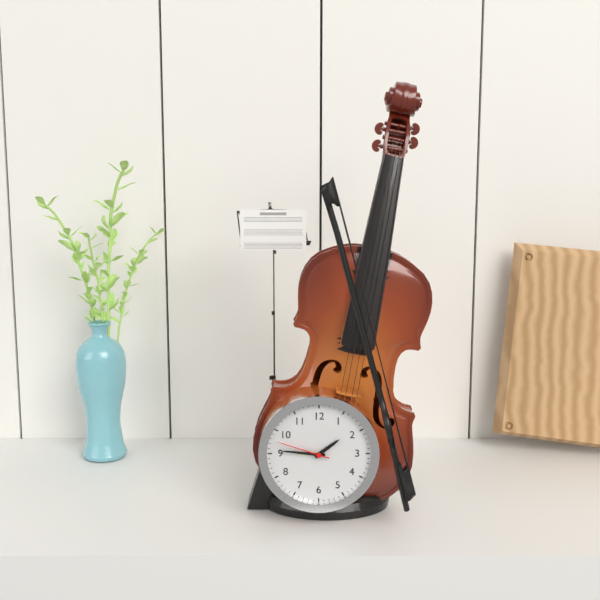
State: 1 h 46 min 48 s
